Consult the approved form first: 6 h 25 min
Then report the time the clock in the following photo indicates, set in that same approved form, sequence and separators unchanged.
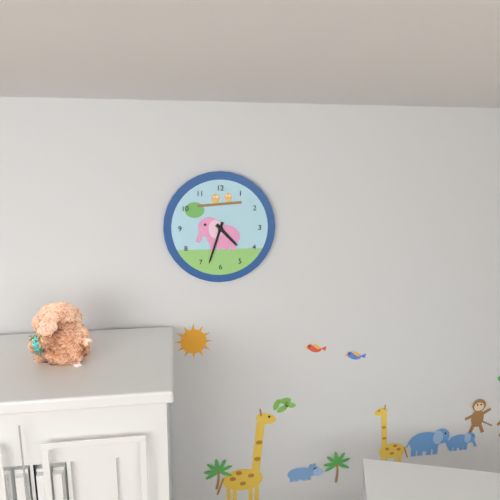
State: 4 h 33 min
